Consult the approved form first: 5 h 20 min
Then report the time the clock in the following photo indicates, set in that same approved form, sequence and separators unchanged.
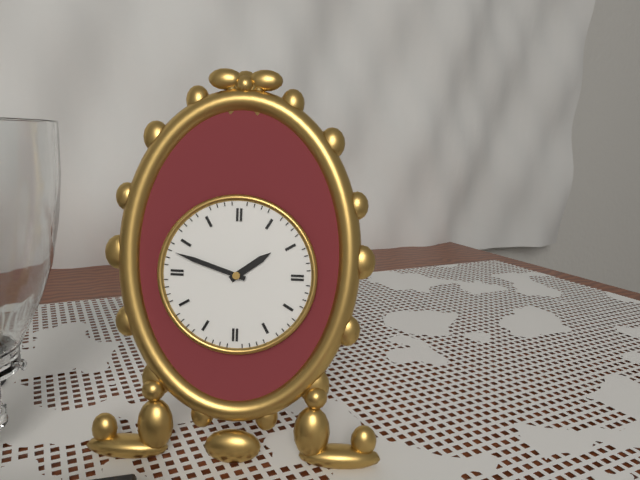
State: 1 h 48 min
